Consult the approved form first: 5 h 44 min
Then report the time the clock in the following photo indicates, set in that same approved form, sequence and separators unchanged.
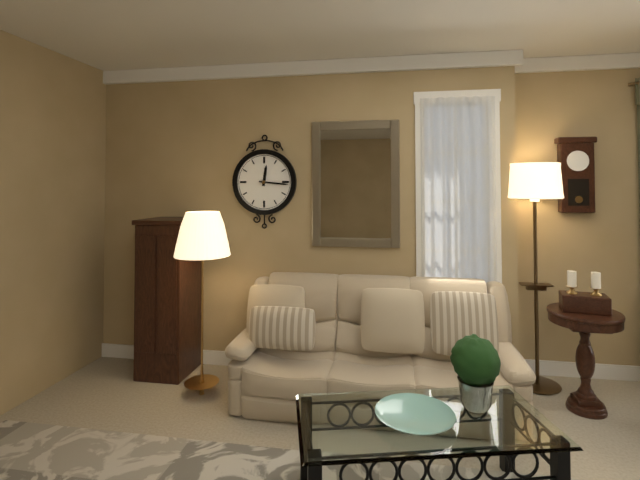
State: 12 h 16 min
